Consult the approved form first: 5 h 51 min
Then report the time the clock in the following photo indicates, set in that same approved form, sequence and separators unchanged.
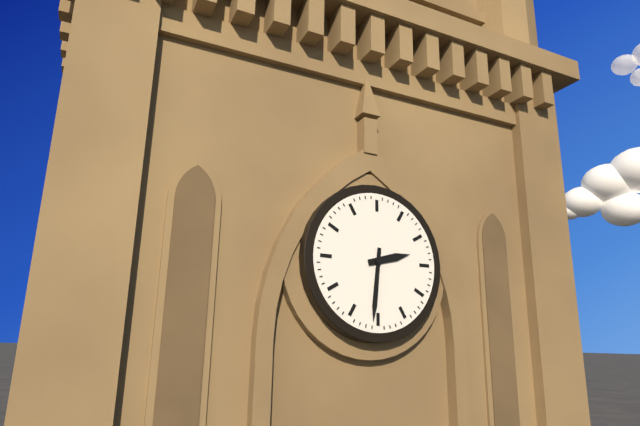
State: 2 h 31 min
